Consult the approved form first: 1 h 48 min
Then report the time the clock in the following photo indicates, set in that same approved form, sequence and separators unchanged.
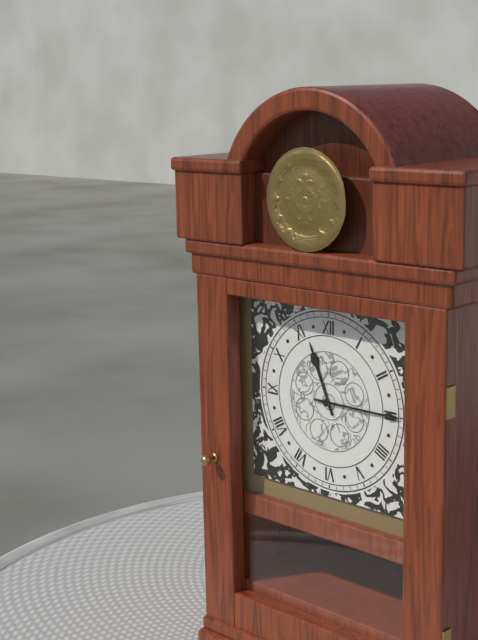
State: 11 h 15 min
